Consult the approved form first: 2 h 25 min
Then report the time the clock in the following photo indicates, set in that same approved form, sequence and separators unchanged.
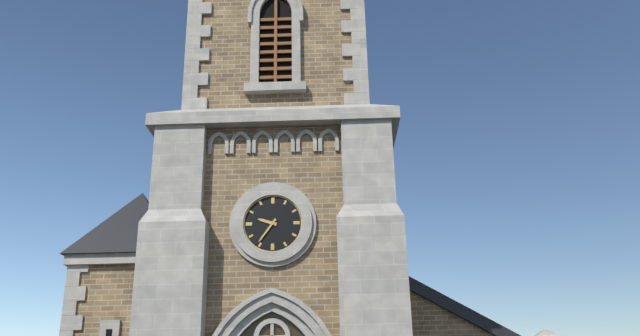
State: 9 h 36 min
